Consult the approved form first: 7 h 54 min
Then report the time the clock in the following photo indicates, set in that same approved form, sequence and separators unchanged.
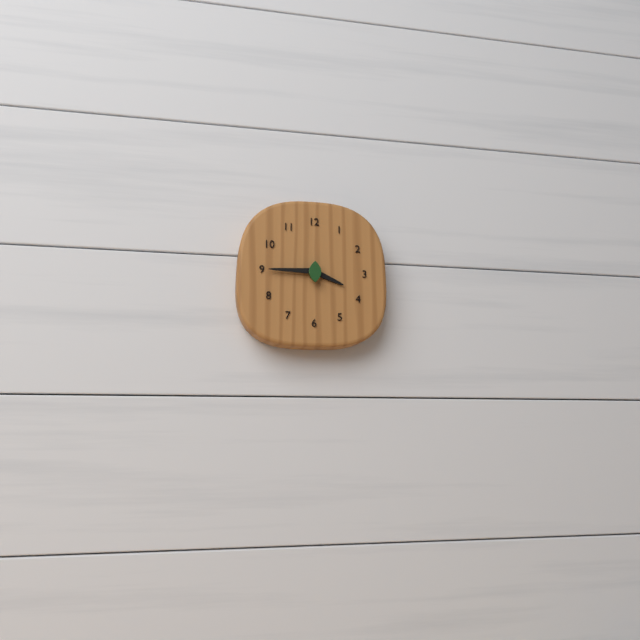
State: 3 h 45 min
